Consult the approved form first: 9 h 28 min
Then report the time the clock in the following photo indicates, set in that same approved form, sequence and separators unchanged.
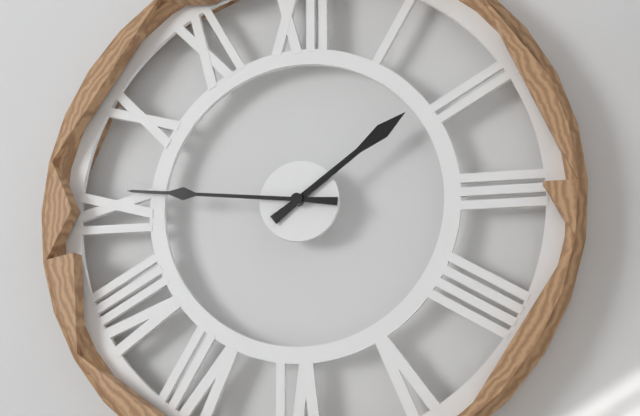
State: 1 h 46 min
